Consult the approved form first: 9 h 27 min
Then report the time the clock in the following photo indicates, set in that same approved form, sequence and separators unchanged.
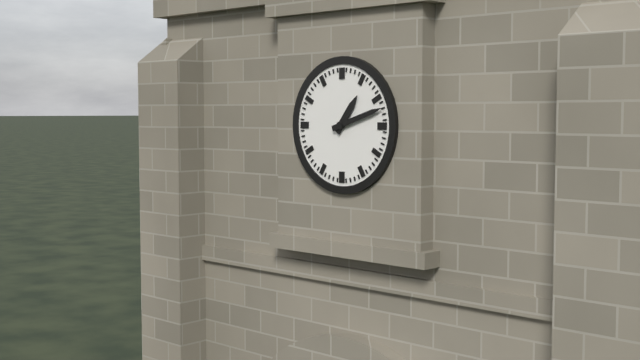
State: 1 h 12 min
